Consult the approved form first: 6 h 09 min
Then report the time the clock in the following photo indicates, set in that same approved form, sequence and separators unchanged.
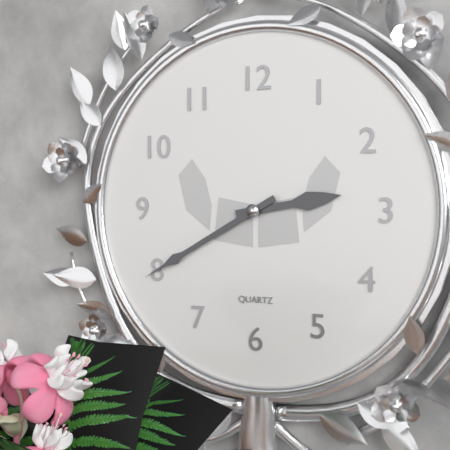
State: 2 h 40 min
